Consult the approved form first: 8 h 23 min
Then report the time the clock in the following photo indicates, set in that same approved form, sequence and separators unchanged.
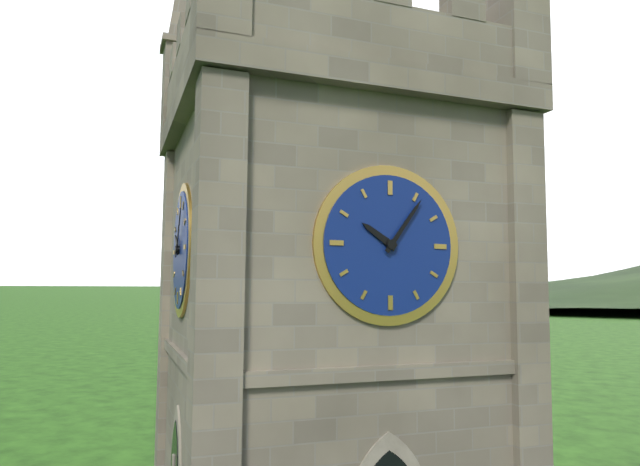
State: 10 h 06 min
